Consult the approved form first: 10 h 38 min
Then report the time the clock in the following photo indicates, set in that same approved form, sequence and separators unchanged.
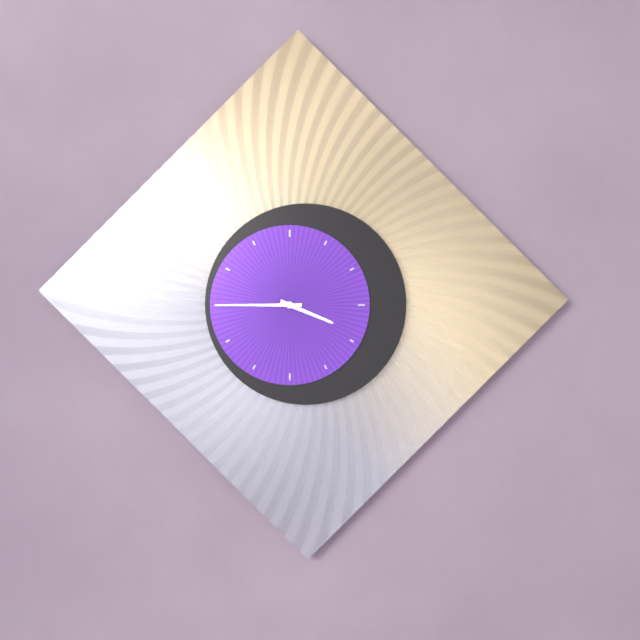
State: 3 h 45 min
